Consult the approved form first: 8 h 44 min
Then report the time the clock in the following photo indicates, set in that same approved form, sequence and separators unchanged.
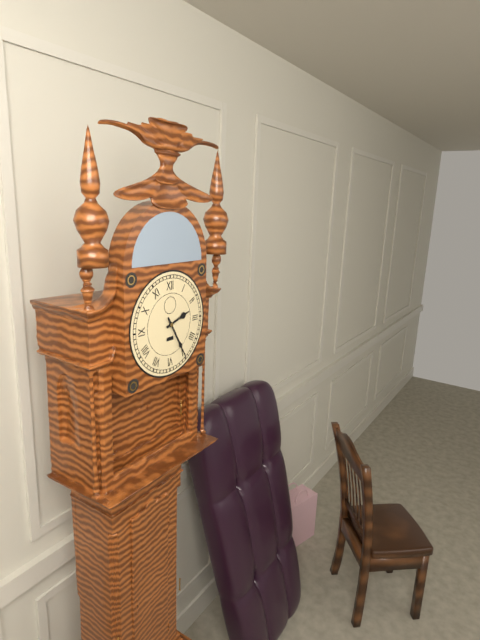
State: 2 h 25 min
